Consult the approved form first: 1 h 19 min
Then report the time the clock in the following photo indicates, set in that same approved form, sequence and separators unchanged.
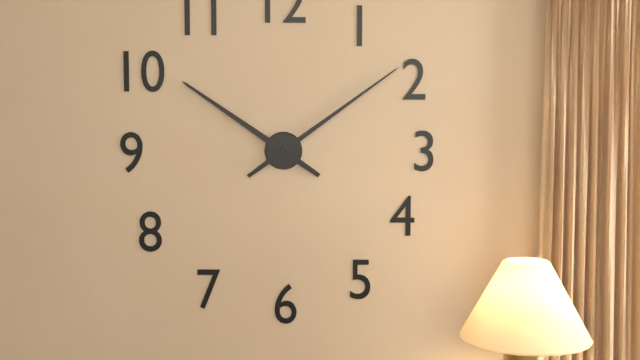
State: 10 h 09 min
